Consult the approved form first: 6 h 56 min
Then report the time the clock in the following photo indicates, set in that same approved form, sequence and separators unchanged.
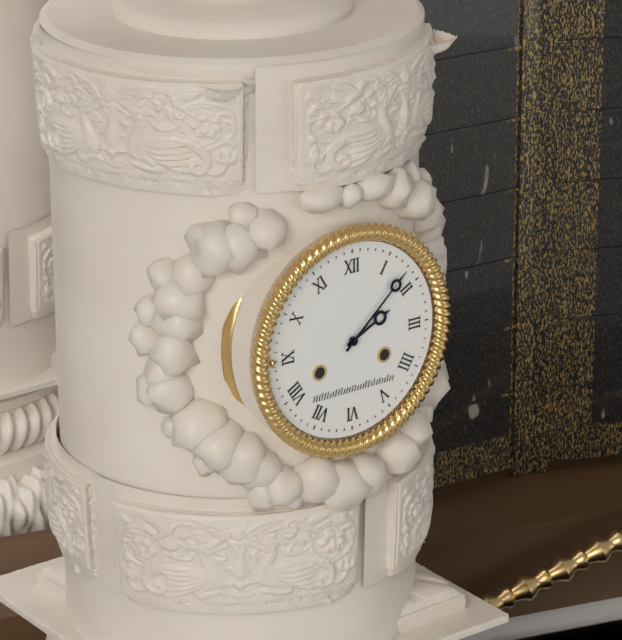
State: 2 h 08 min
